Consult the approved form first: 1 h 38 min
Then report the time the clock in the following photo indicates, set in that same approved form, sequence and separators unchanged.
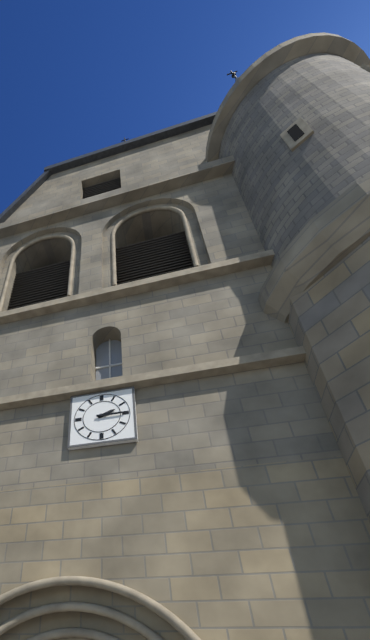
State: 2 h 15 min
